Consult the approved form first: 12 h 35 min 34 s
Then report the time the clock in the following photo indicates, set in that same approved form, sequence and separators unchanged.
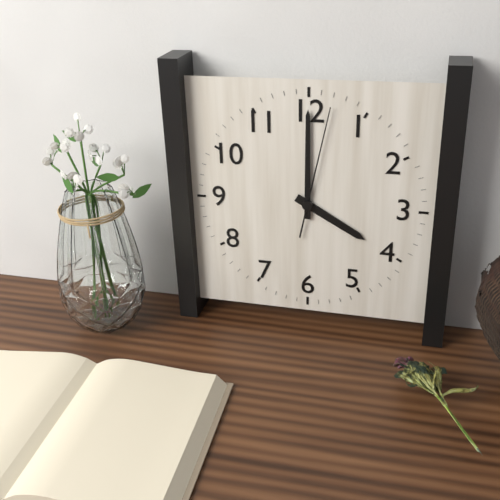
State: 4 h 00 min 02 s
